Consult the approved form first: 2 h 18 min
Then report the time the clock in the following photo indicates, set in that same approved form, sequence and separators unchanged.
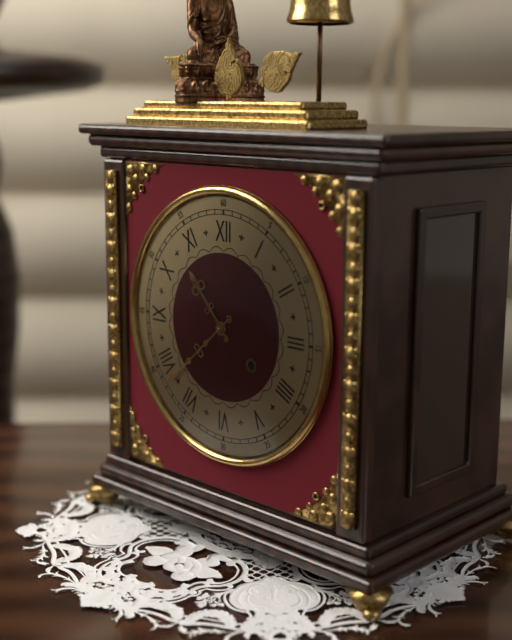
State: 10 h 38 min
